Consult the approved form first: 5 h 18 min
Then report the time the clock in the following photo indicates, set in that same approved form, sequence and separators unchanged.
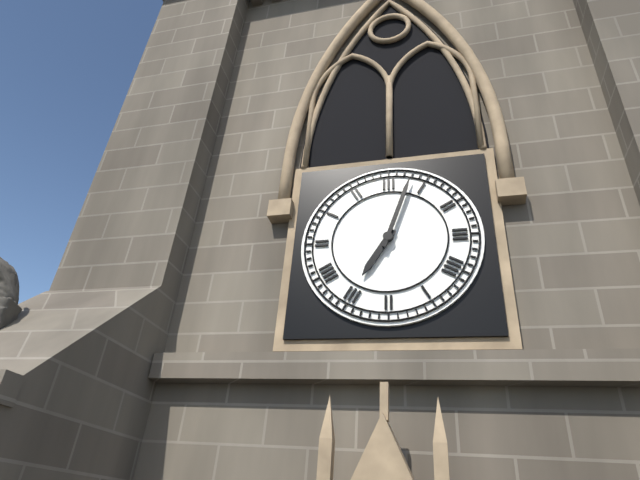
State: 7 h 03 min
